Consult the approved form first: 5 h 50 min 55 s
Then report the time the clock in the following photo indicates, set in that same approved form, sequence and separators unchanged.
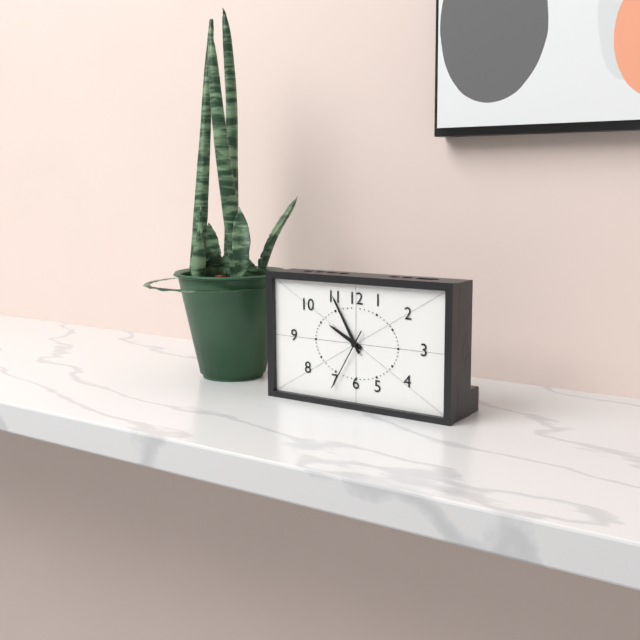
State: 9 h 55 min 35 s
